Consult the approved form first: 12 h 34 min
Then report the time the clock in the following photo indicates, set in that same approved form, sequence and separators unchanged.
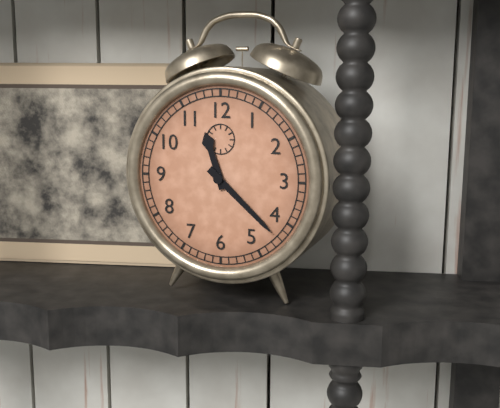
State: 11 h 22 min
